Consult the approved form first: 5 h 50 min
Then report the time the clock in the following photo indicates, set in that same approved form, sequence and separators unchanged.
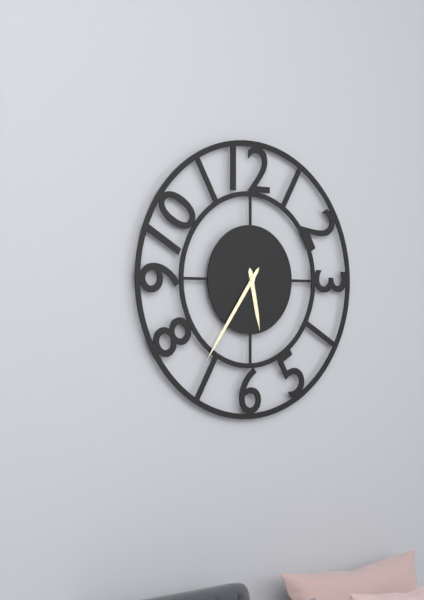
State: 5 h 36 min
